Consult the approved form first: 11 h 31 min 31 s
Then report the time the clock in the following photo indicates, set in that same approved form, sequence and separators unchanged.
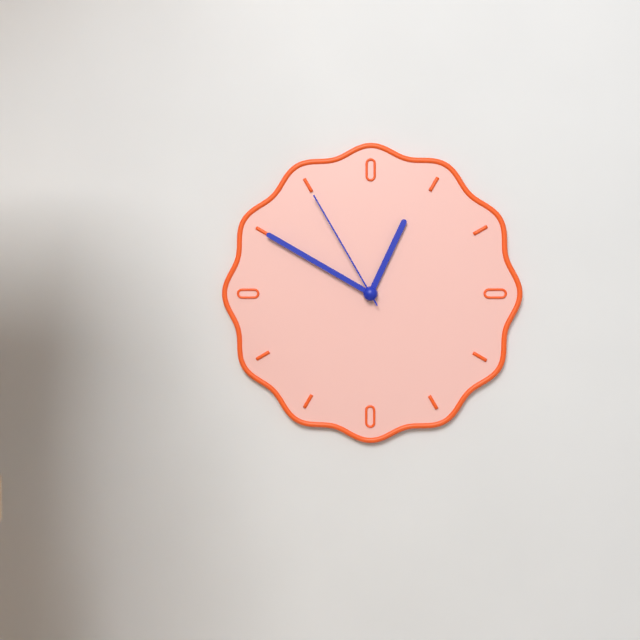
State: 12 h 50 min 55 s
